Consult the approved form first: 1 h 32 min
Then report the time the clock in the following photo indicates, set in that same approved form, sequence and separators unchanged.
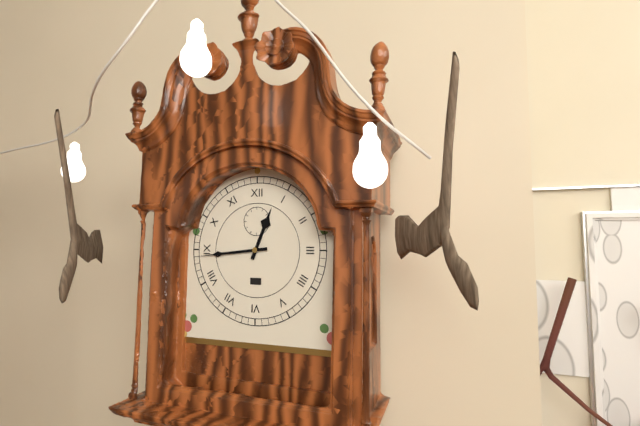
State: 12 h 44 min
